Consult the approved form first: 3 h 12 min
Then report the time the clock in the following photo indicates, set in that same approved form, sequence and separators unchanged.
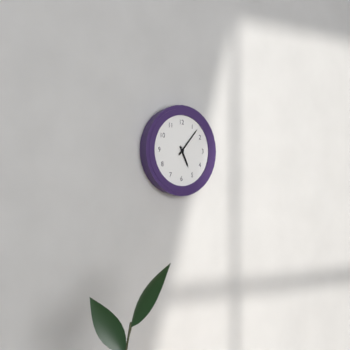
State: 5 h 07 min
